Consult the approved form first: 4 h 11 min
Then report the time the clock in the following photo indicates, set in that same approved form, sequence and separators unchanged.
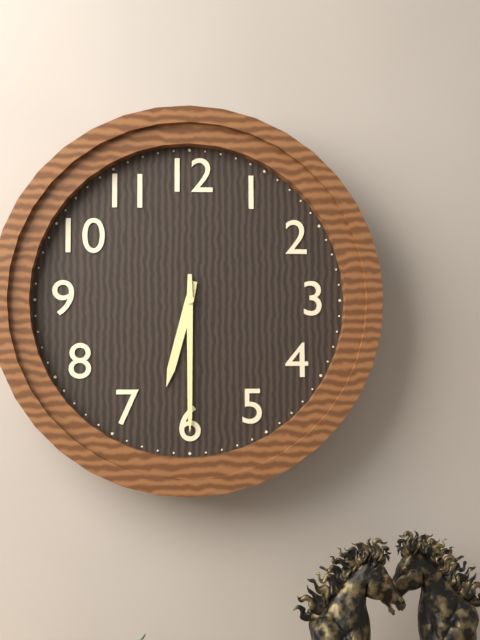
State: 6 h 30 min
